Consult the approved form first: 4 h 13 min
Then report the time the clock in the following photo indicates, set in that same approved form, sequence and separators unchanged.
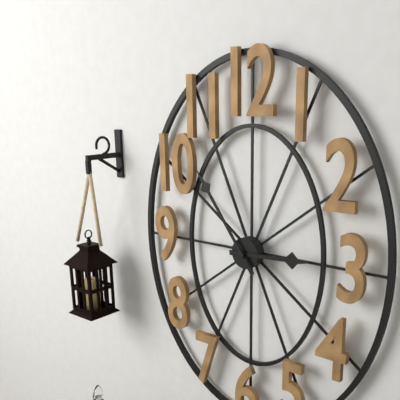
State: 2 h 54 min
